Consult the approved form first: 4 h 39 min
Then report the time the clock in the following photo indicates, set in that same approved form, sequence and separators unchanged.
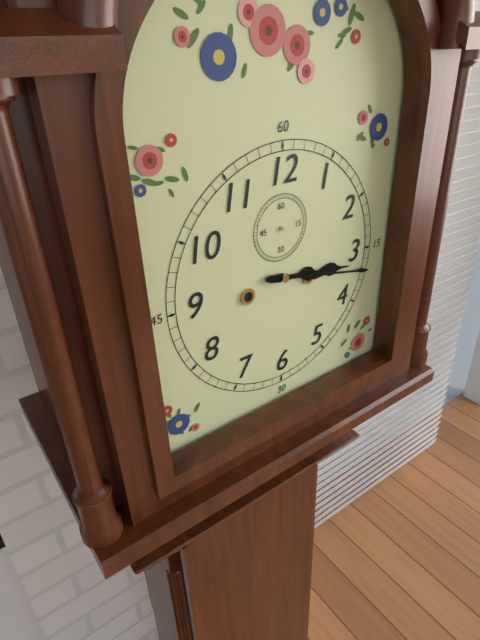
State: 3 h 17 min
